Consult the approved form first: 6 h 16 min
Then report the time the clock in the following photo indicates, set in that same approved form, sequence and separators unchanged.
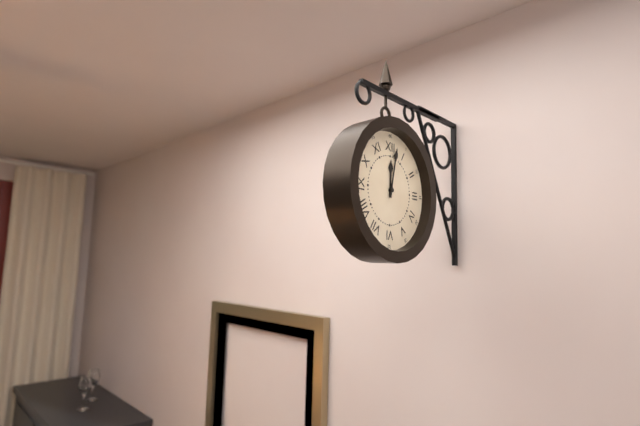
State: 12 h 02 min
